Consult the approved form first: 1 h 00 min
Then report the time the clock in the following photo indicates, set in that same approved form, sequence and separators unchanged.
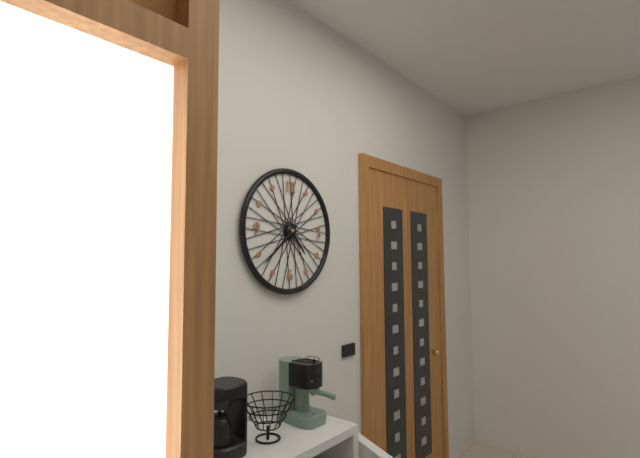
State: 4 h 38 min
